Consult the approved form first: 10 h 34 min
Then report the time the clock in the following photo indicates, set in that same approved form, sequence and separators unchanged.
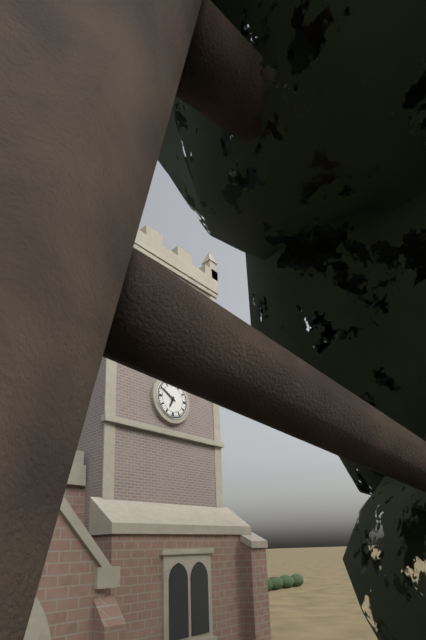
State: 6 h 50 min
